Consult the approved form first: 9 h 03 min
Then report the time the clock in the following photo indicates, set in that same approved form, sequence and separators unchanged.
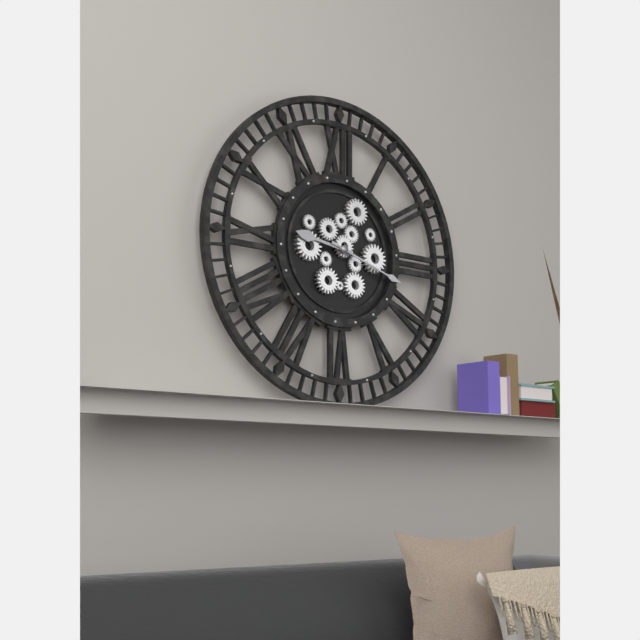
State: 9 h 18 min
